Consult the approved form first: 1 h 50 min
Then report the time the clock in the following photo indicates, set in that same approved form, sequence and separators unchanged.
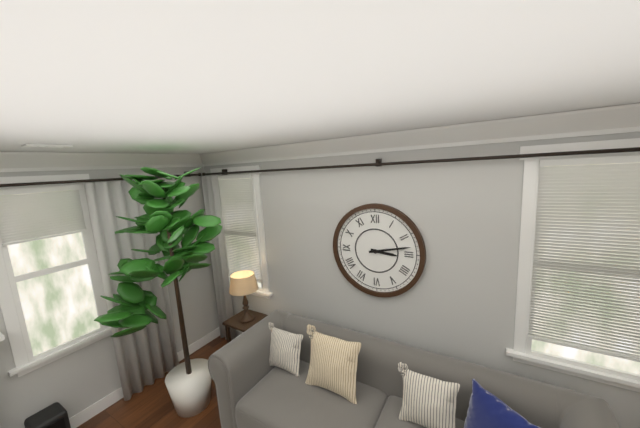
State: 3 h 13 min
